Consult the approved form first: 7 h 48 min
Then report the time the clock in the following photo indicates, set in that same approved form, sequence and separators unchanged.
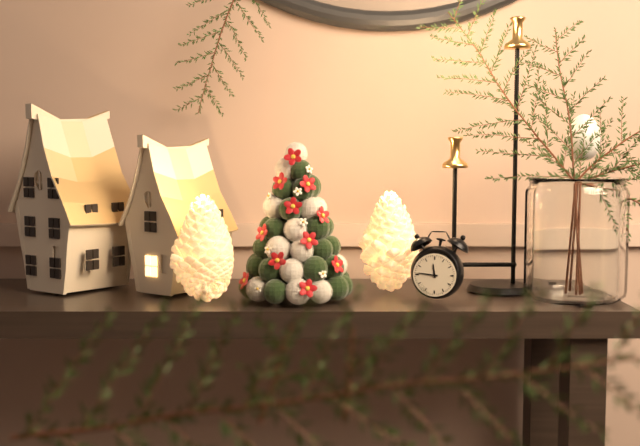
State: 11 h 46 min
